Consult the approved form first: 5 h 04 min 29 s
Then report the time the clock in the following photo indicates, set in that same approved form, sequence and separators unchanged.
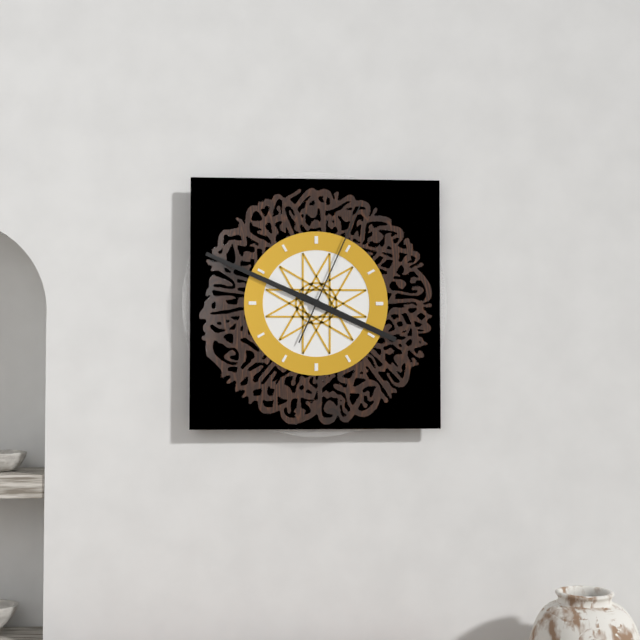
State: 3 h 49 min 04 s
